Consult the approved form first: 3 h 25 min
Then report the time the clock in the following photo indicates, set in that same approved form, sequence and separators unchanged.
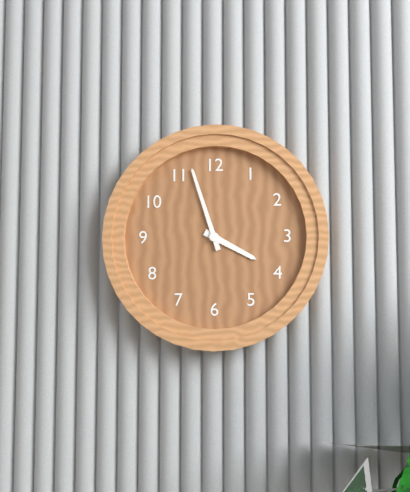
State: 3 h 57 min
